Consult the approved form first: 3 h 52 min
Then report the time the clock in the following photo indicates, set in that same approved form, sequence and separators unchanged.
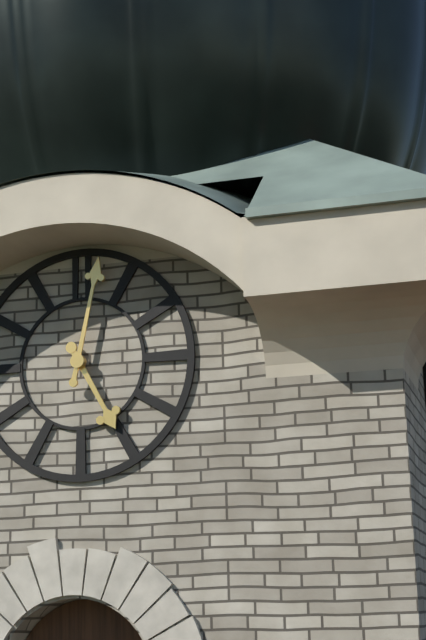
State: 5 h 02 min
